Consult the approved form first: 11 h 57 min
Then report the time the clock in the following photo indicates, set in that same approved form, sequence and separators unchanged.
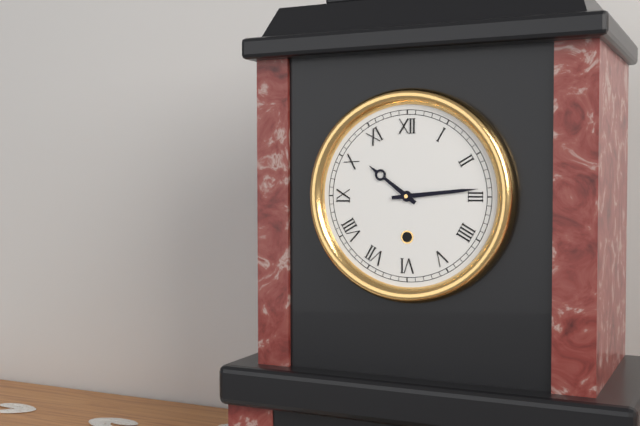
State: 10 h 14 min
